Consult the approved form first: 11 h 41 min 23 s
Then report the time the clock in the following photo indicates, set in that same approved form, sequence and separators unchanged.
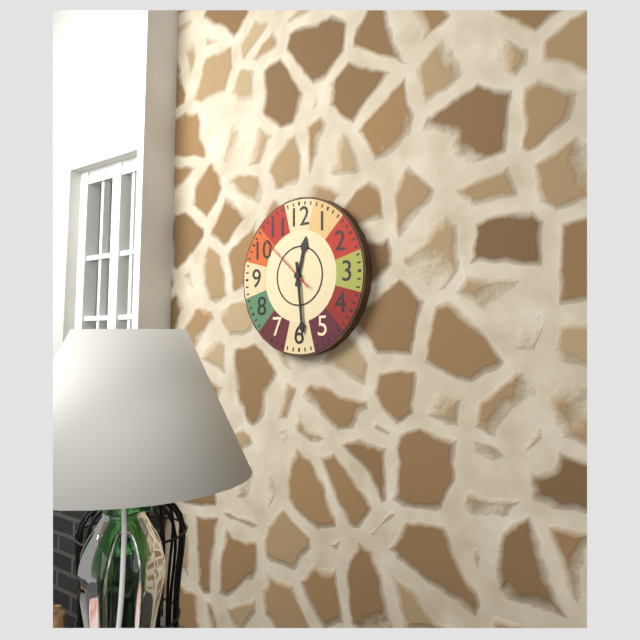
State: 12 h 29 min 52 s
